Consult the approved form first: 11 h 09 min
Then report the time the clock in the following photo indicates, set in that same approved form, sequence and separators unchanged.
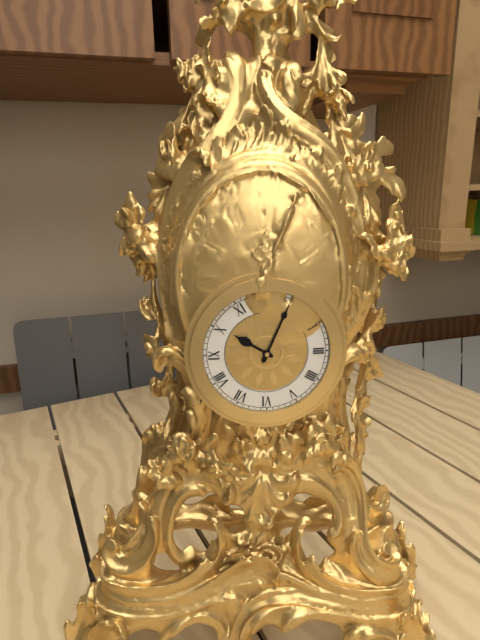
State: 10 h 04 min
